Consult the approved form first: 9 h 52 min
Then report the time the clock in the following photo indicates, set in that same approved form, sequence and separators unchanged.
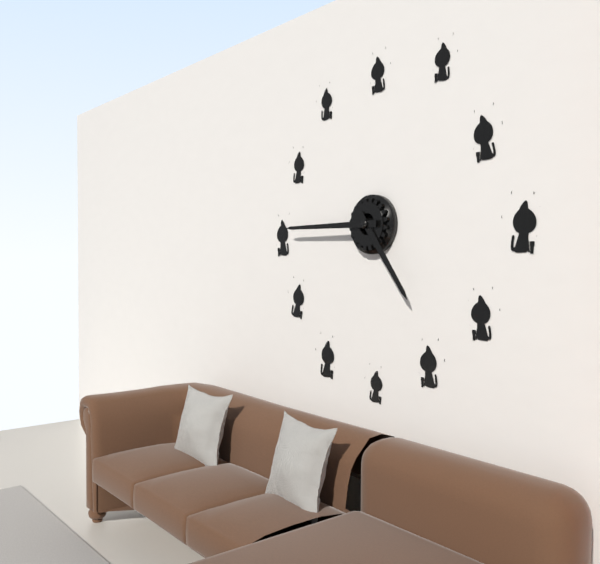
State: 4 h 45 min
